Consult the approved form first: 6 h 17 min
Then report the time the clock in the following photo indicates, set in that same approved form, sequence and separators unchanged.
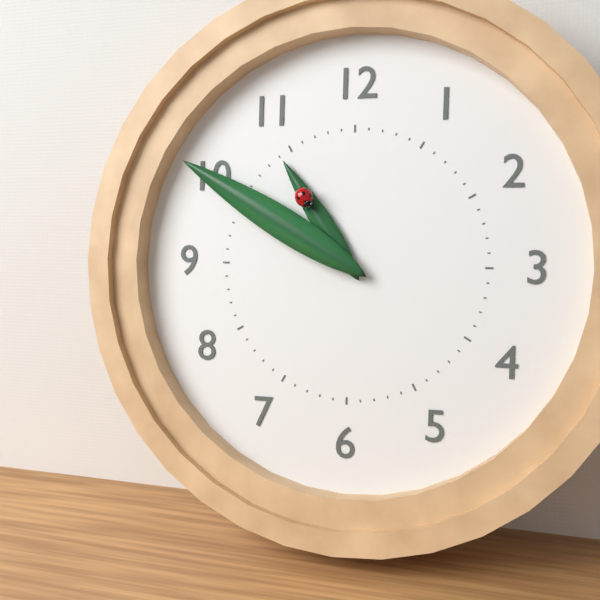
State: 10 h 50 min
